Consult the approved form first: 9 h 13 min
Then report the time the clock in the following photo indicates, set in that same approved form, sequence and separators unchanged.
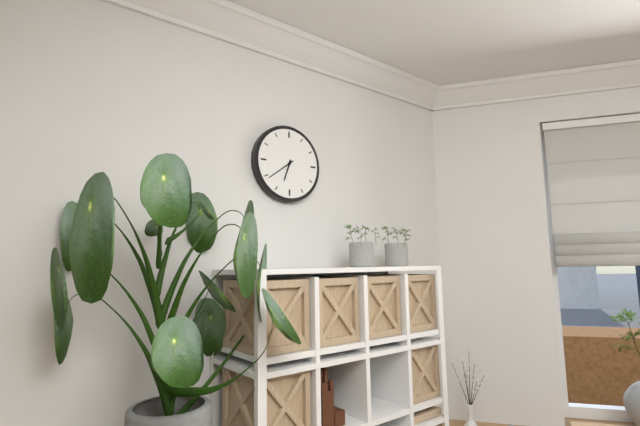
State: 6 h 39 min
